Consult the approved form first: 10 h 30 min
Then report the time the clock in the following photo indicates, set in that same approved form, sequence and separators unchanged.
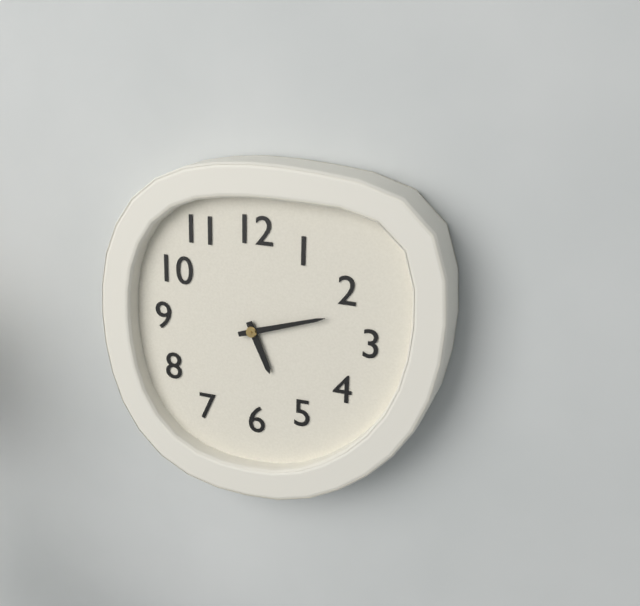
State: 5 h 12 min
